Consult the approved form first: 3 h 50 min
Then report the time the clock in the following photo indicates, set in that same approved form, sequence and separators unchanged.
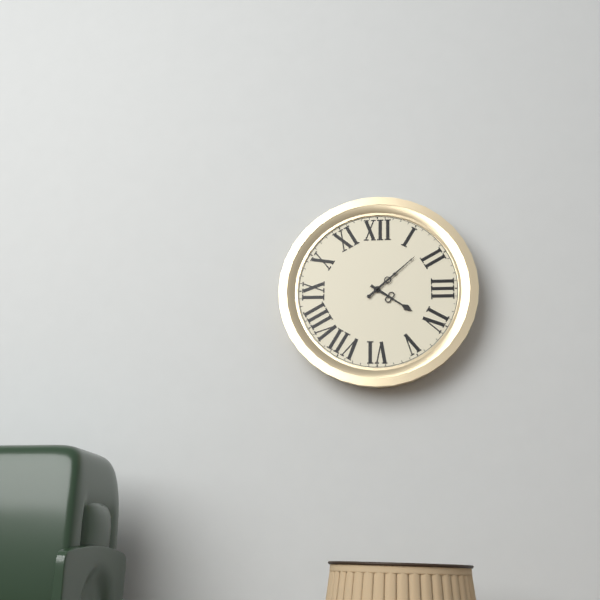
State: 4 h 08 min
